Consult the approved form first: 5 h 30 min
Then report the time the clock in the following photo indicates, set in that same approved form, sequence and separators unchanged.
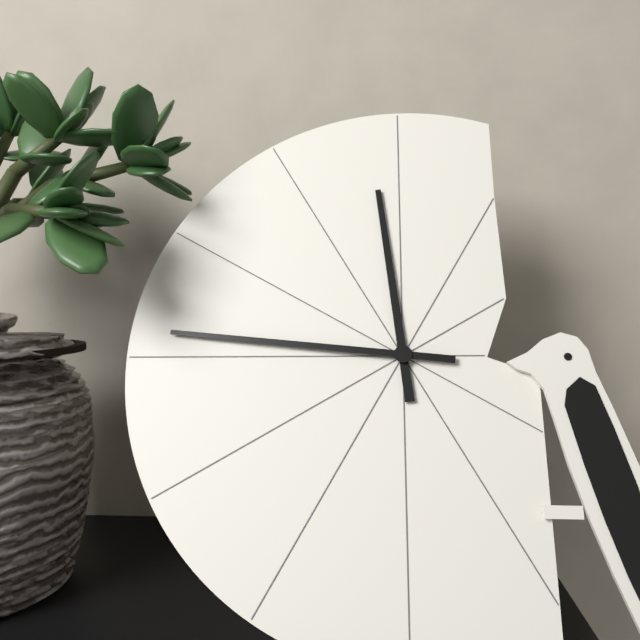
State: 11 h 46 min
